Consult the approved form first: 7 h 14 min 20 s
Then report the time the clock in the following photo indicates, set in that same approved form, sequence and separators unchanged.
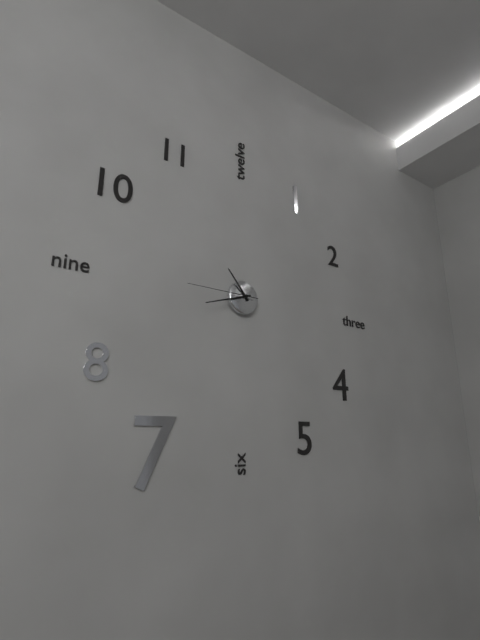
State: 10 h 42 min 45 s
